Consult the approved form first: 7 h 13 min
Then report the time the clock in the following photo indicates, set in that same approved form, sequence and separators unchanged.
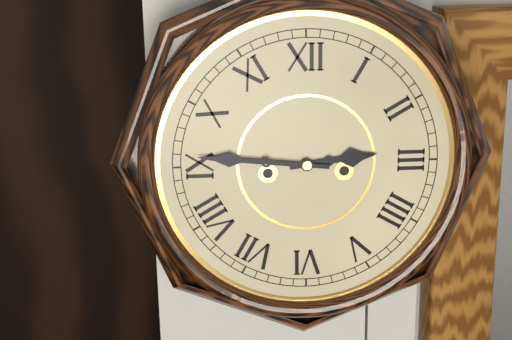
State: 2 h 46 min
